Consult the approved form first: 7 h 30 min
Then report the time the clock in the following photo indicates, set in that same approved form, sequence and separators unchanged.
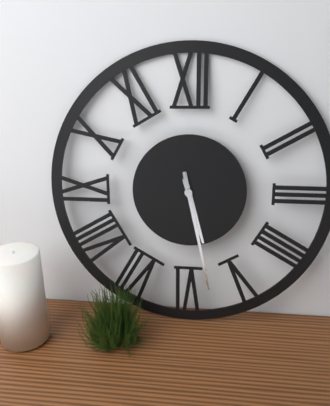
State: 5 h 28 min
